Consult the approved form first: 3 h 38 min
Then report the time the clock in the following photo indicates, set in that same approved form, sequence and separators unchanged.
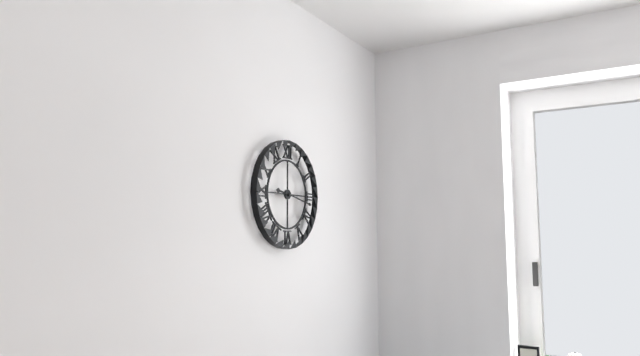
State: 9 h 17 min
